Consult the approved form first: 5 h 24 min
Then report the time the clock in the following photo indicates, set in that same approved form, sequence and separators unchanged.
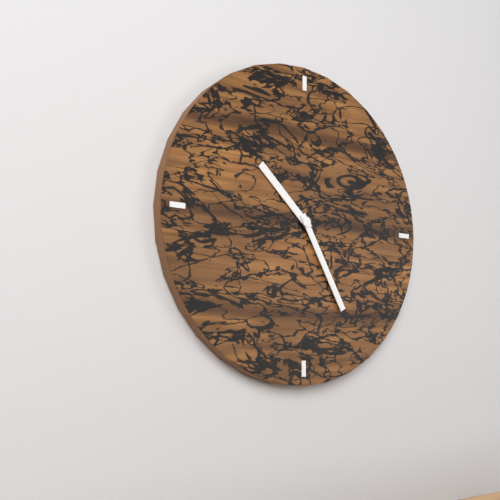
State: 10 h 25 min
